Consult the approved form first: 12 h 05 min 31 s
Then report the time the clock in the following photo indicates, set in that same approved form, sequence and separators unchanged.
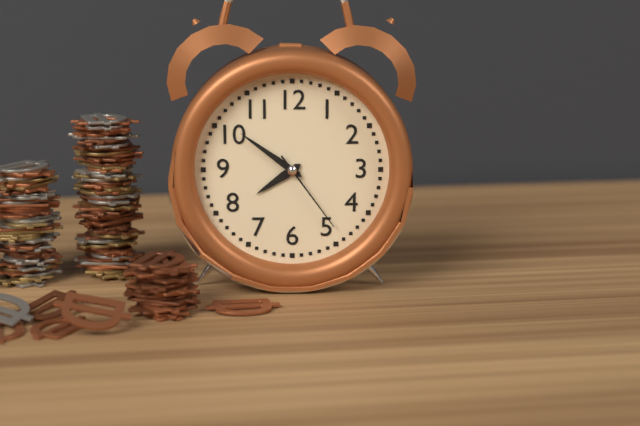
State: 7 h 51 min 24 s
